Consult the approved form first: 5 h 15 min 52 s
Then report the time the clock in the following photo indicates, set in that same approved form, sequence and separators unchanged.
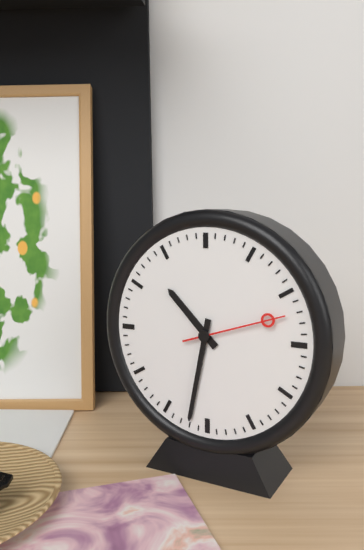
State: 10 h 32 min 12 s
